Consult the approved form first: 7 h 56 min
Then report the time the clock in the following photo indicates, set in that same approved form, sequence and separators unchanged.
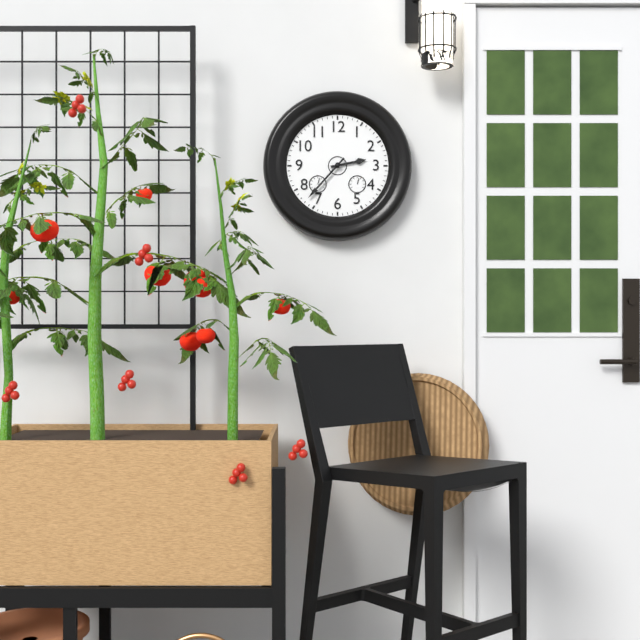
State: 2 h 37 min
